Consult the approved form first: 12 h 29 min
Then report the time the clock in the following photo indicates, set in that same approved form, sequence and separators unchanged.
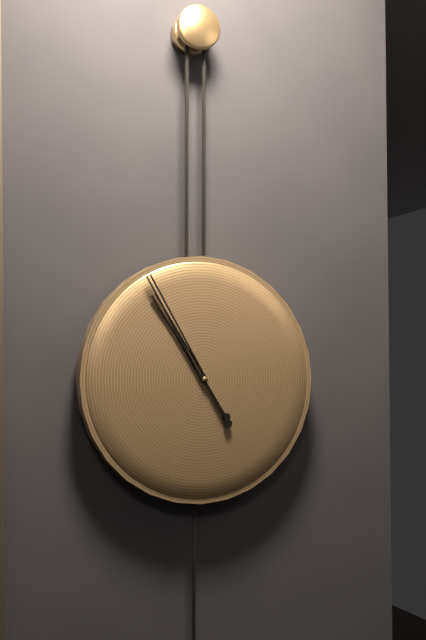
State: 10 h 55 min
